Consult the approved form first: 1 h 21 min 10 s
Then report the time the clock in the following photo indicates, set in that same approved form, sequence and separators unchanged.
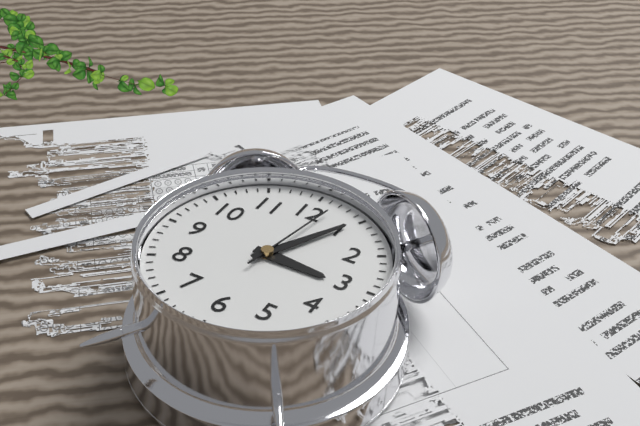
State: 3 h 05 min 02 s
